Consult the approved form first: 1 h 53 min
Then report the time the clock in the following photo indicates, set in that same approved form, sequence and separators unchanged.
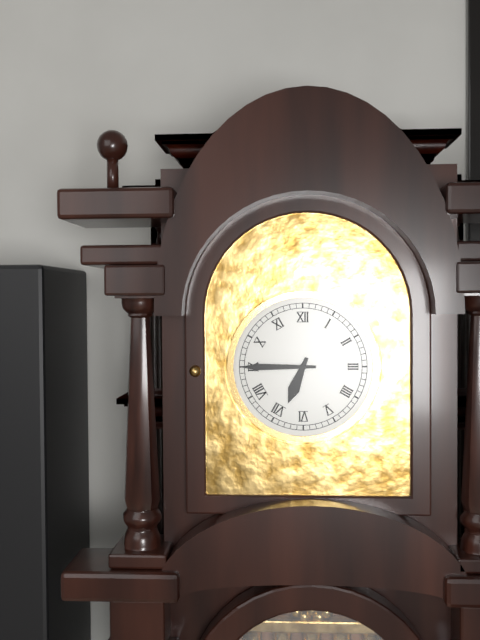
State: 6 h 45 min
